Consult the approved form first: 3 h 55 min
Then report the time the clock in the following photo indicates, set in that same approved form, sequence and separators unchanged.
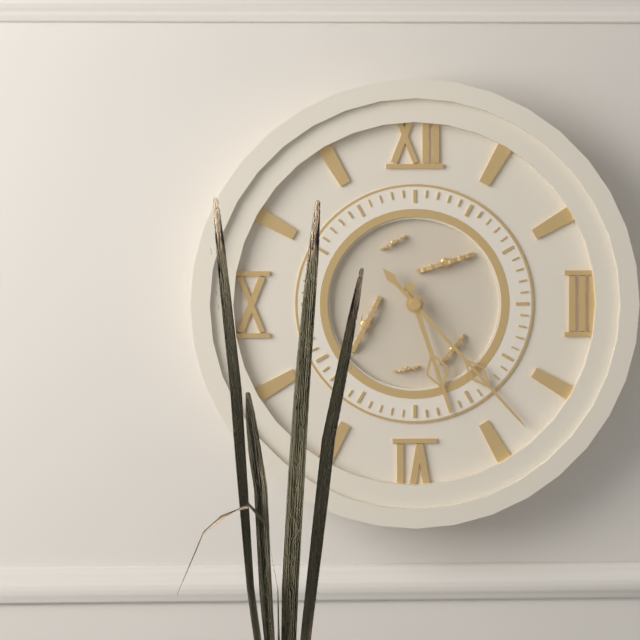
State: 5 h 23 min
